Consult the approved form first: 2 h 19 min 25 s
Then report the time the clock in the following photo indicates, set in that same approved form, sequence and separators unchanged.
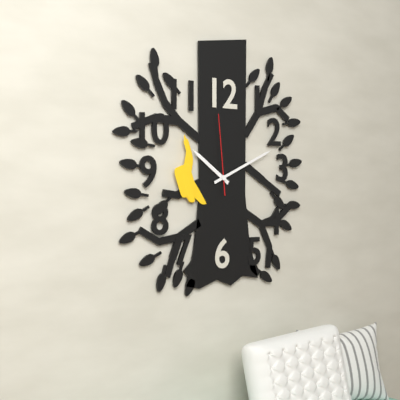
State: 10 h 11 min 59 s
